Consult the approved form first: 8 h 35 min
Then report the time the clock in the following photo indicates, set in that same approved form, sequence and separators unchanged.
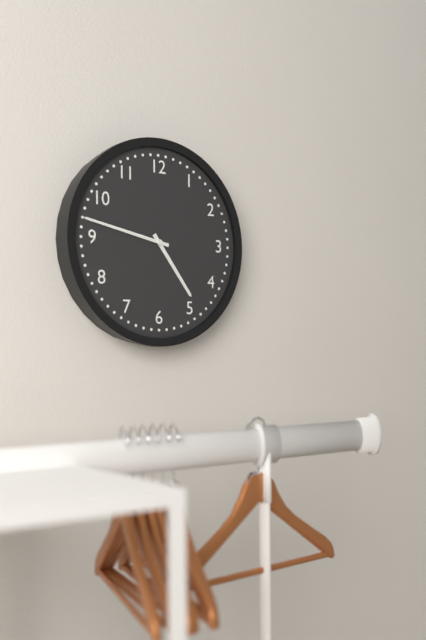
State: 4 h 47 min
